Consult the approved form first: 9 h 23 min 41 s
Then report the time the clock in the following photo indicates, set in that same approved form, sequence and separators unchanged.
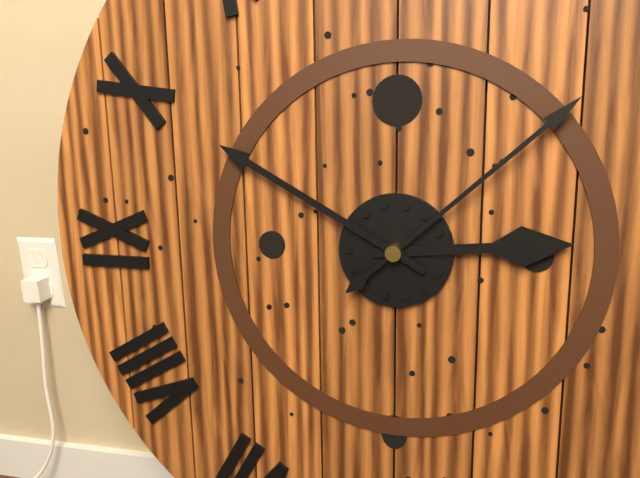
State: 2 h 50 min 08 s
